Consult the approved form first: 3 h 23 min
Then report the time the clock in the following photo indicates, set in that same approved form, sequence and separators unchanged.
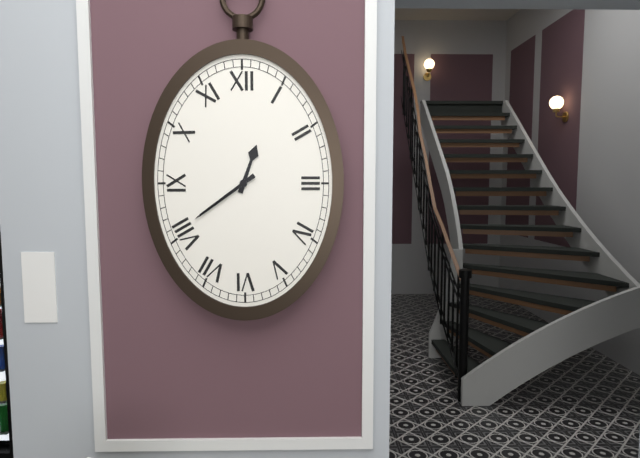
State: 12 h 39 min
